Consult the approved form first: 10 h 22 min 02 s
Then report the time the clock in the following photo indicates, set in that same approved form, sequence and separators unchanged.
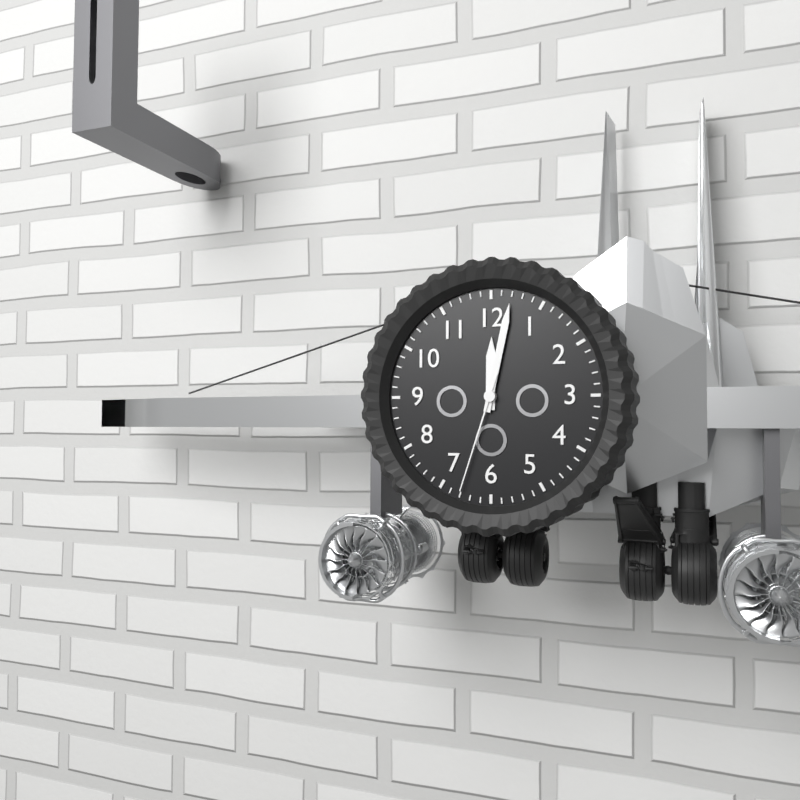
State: 12 h 02 min 33 s
